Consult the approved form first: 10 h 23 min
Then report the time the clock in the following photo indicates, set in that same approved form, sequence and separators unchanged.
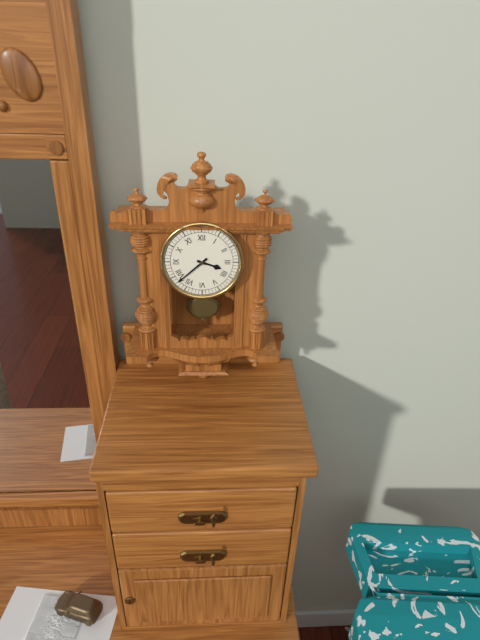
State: 3 h 38 min
